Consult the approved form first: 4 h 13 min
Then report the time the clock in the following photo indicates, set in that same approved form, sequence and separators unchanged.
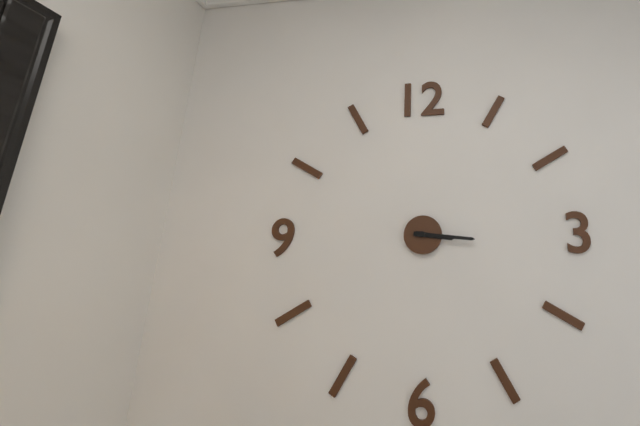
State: 3 h 16 min
